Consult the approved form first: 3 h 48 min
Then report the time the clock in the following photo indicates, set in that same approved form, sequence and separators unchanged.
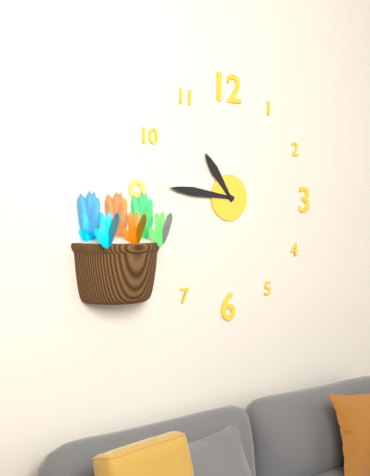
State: 10 h 46 min
